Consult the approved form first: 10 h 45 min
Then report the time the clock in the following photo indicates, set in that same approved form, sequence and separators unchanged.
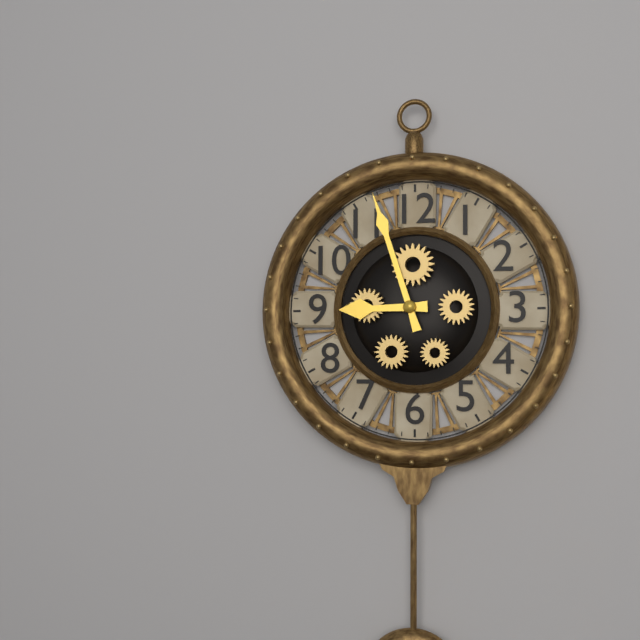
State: 8 h 57 min
